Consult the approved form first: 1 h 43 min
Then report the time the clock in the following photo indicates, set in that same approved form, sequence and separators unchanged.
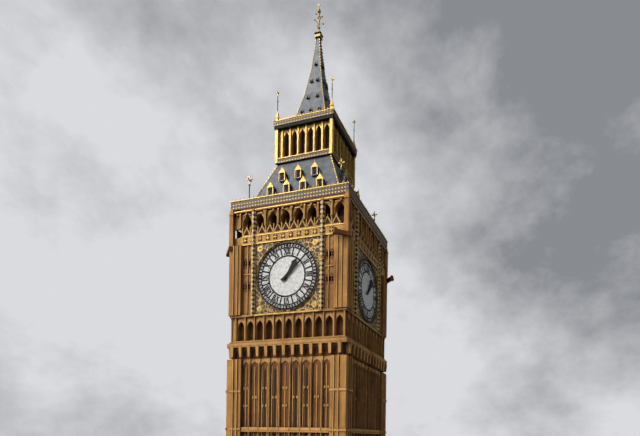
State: 1 h 08 min
